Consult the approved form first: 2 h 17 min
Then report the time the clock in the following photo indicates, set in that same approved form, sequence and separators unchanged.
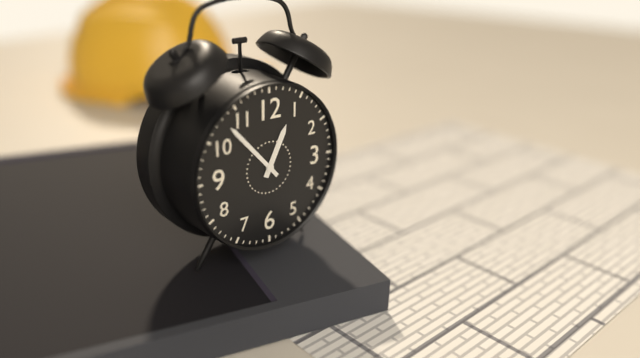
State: 12 h 53 min
